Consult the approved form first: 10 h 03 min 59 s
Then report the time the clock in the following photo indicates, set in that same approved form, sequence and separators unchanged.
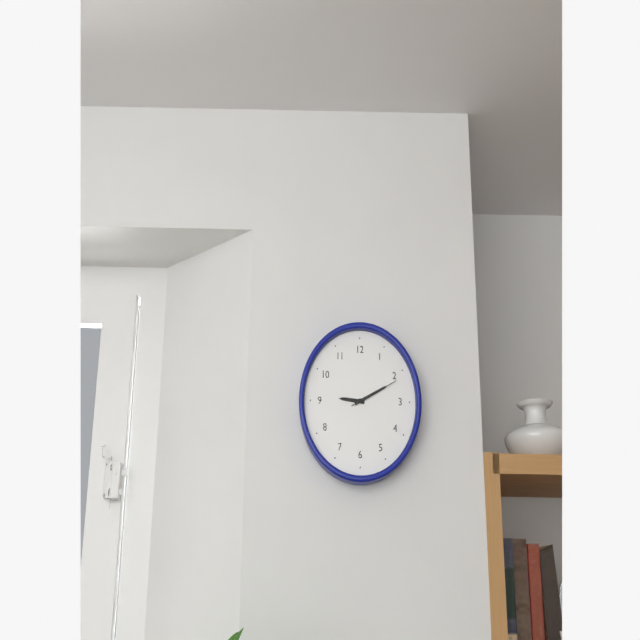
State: 9 h 11 min 11 s
